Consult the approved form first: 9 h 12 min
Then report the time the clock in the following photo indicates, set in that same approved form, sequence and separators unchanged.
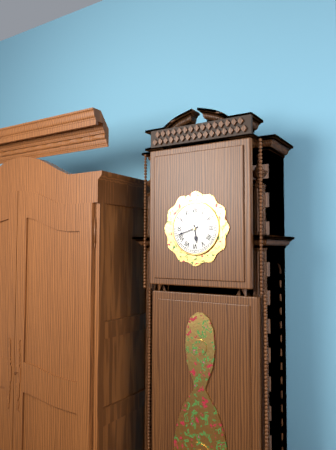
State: 5 h 42 min
